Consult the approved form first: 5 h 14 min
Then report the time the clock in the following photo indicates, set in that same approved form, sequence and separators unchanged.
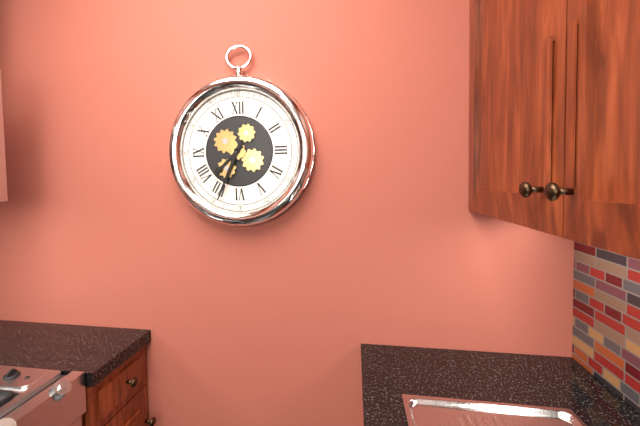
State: 7 h 34 min
